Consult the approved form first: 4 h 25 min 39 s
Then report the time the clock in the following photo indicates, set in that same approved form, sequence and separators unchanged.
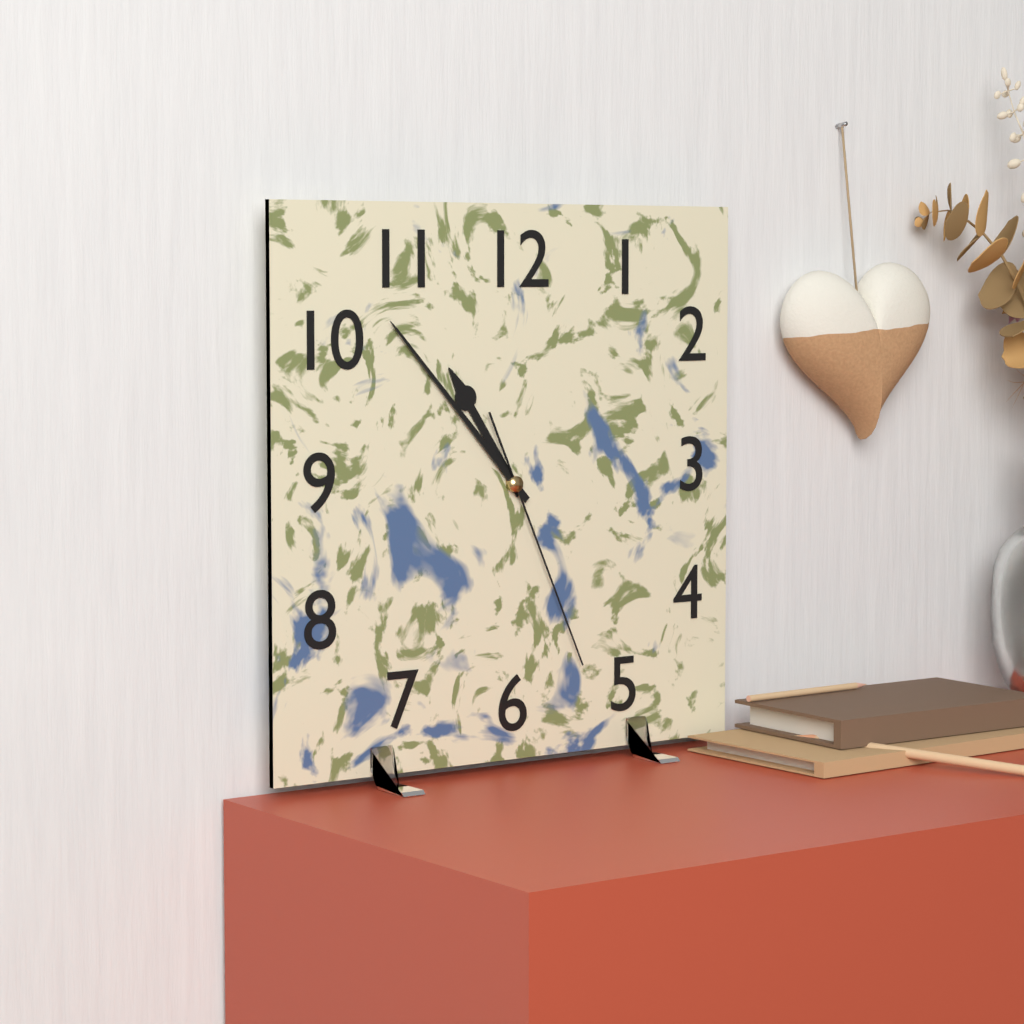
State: 10 h 53 min 26 s
